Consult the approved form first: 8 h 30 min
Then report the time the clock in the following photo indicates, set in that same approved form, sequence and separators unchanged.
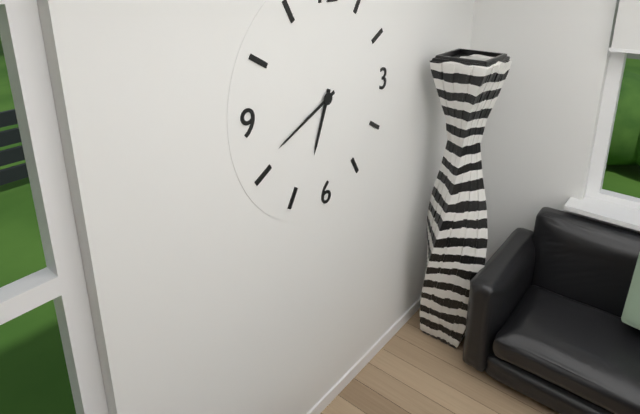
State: 6 h 41 min
